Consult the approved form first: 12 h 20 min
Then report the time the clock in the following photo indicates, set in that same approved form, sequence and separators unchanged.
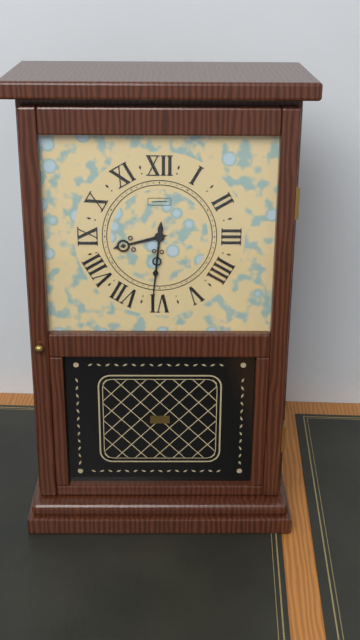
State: 8 h 31 min
